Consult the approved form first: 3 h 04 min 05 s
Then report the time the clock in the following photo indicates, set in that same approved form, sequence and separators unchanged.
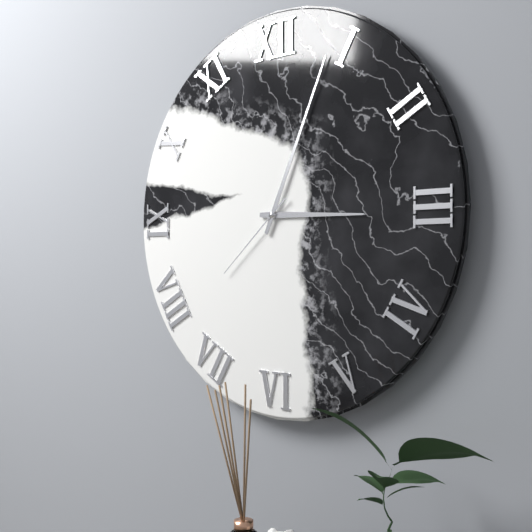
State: 3 h 04 min 38 s
